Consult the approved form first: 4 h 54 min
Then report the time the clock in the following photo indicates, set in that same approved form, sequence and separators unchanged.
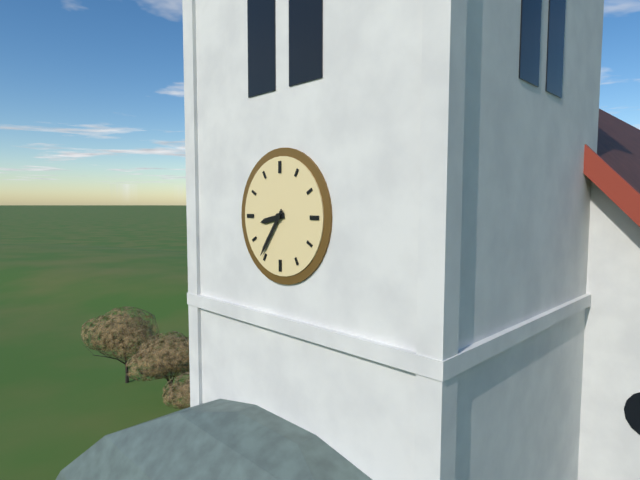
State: 8 h 36 min
